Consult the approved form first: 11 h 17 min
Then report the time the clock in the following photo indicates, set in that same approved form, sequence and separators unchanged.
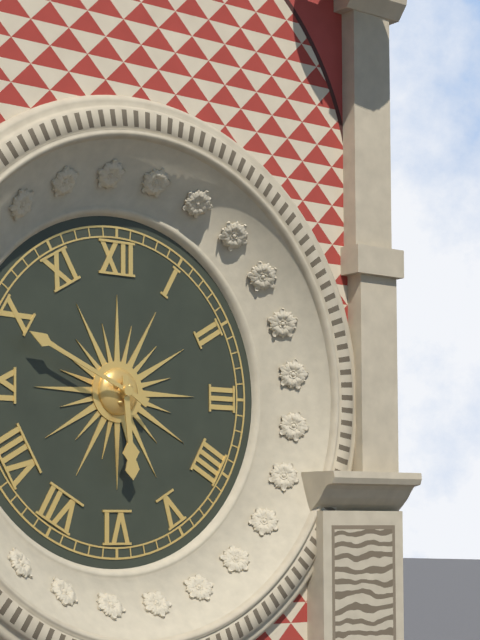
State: 5 h 49 min
